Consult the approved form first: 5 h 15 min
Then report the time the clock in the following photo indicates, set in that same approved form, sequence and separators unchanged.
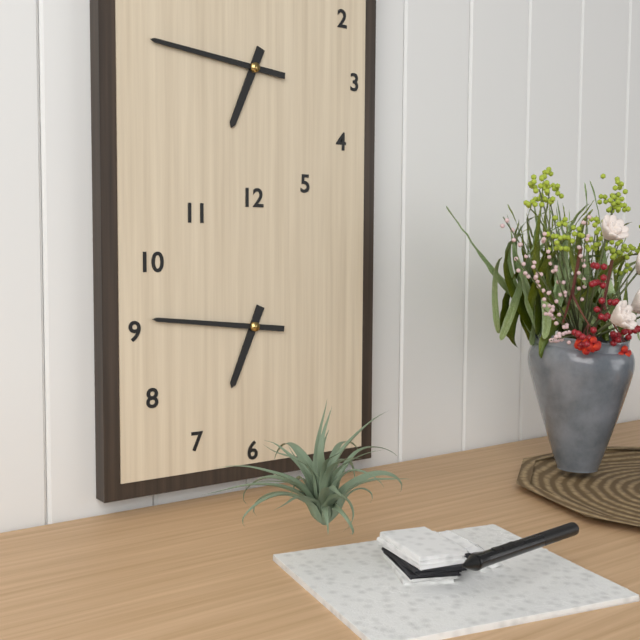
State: 6 h 46 min
